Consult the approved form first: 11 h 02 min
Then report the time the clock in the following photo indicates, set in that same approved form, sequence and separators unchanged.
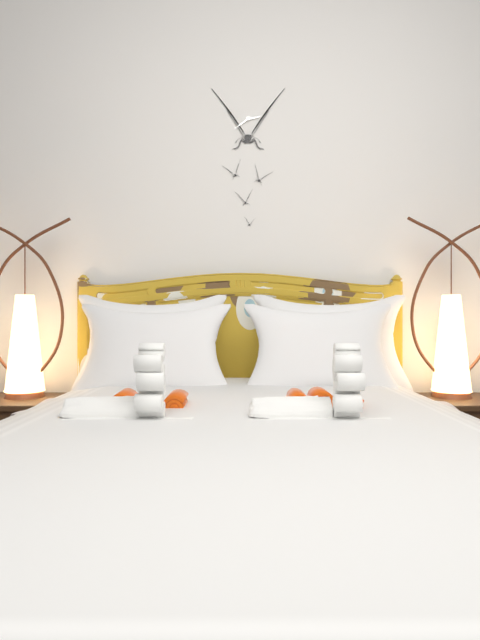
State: 2 h 39 min
